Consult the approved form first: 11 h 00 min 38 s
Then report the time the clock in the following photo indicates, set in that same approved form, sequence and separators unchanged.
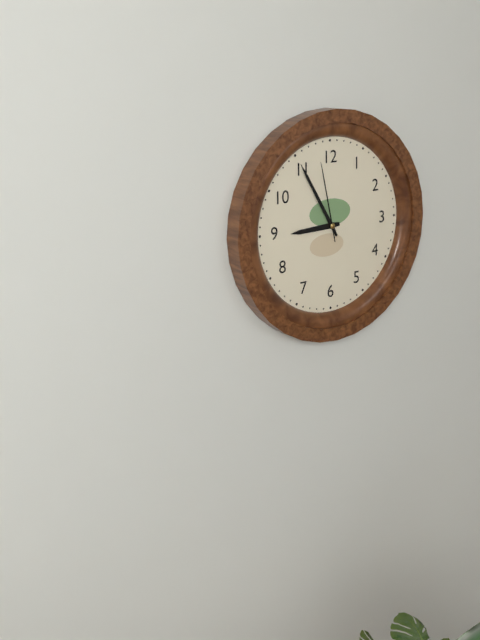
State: 8 h 55 min 58 s
